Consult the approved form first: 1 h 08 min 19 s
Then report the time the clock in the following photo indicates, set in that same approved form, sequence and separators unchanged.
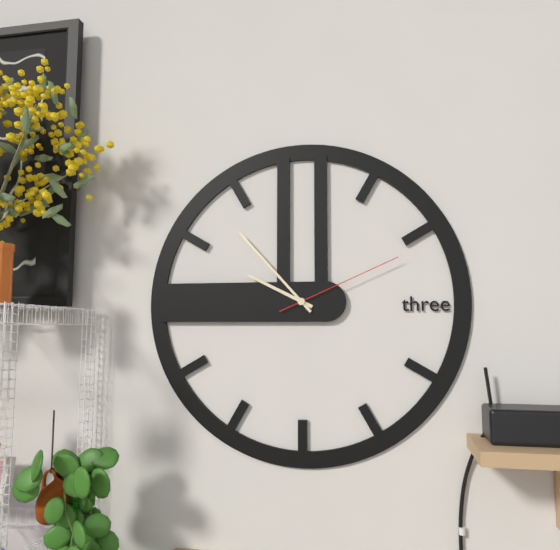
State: 9 h 53 min 11 s
